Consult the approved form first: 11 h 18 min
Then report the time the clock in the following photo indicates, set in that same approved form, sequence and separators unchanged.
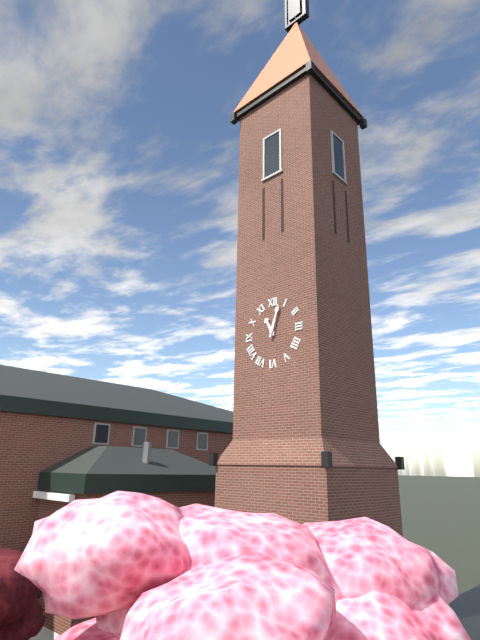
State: 11 h 03 min
